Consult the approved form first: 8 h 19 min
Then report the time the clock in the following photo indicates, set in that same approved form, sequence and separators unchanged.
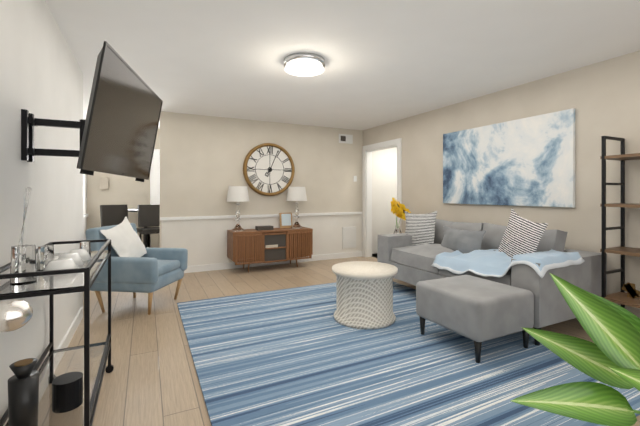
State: 7 h 04 min
